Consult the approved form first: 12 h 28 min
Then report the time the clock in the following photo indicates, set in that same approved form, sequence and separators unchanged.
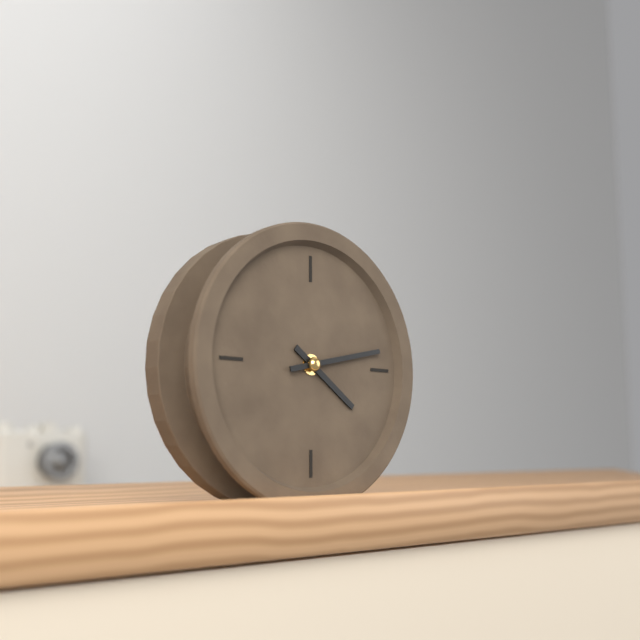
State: 4 h 13 min
